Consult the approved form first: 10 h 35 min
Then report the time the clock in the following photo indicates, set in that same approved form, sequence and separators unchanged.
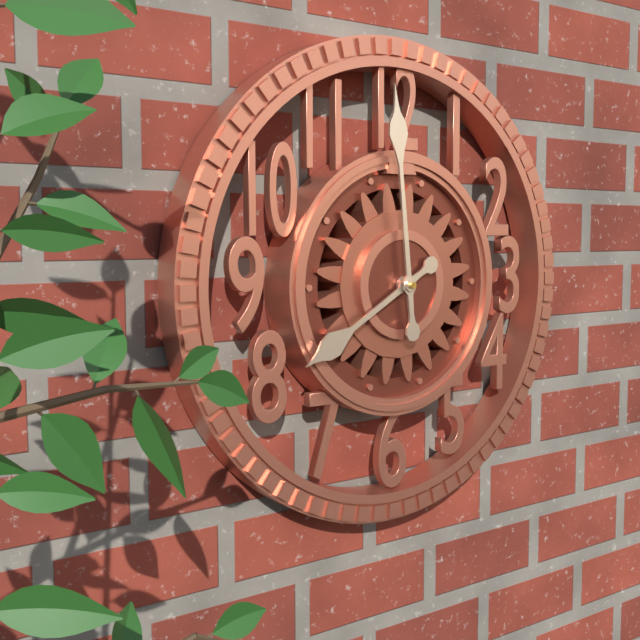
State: 7 h 59 min
